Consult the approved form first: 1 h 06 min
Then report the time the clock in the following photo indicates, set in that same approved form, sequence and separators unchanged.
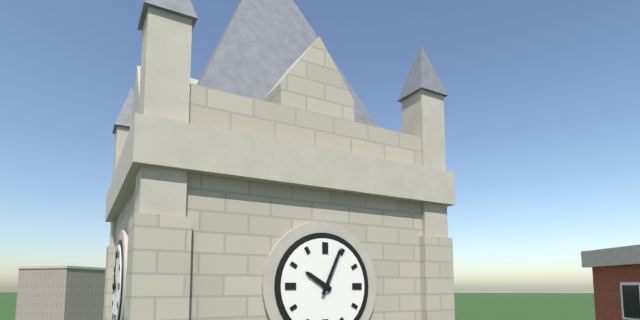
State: 10 h 04 min
